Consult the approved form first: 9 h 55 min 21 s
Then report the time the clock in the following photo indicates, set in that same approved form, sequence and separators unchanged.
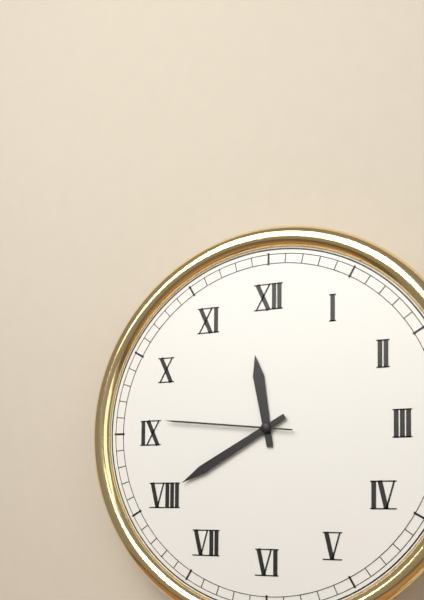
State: 11 h 40 min 46 s
